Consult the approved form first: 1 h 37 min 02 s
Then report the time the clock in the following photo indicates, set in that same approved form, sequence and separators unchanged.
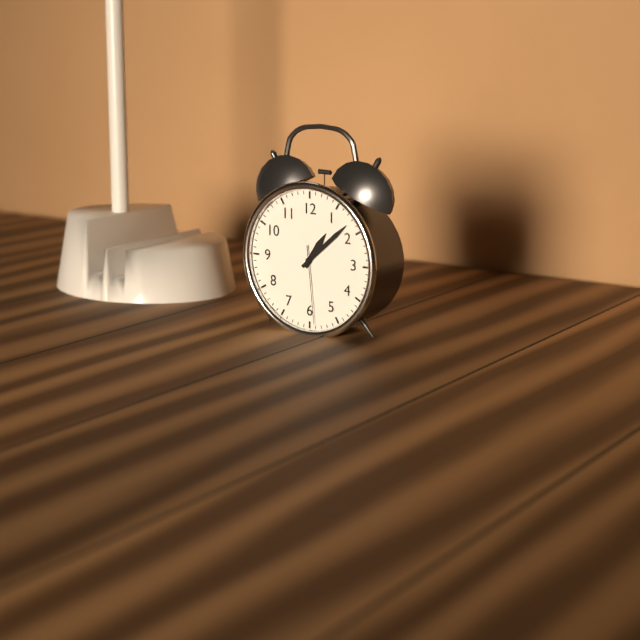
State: 1 h 08 min 29 s
